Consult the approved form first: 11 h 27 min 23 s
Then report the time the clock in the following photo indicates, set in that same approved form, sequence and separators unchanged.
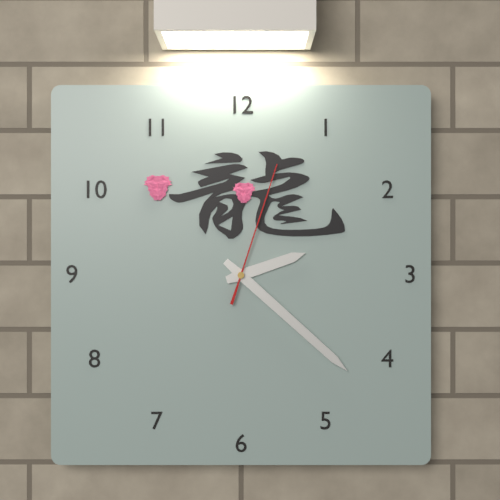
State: 2 h 22 min 03 s
